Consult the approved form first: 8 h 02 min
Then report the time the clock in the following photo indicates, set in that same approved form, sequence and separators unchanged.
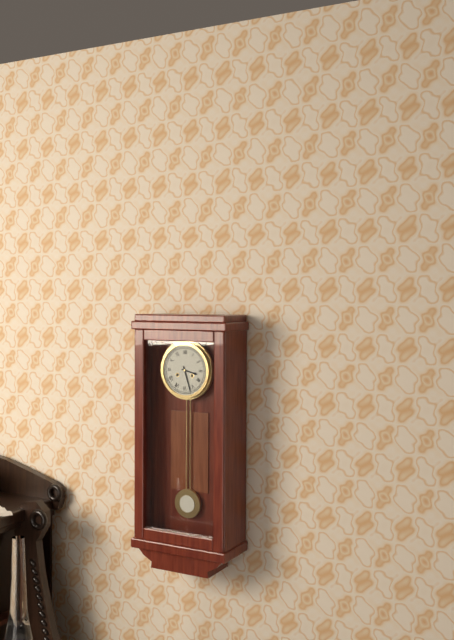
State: 3 h 27 min
